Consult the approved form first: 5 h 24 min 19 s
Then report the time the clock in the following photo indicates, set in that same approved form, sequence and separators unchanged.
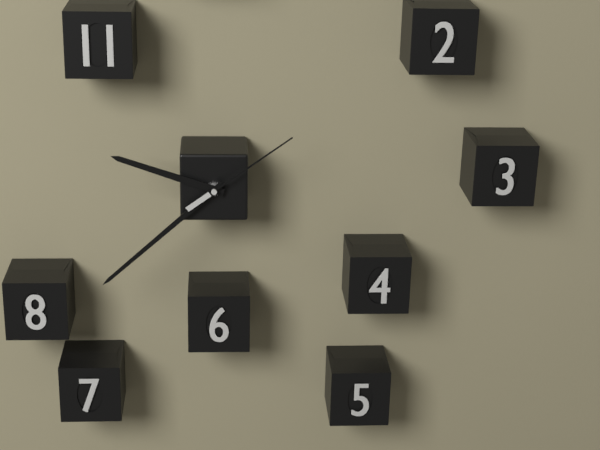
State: 9 h 38 min 09 s
